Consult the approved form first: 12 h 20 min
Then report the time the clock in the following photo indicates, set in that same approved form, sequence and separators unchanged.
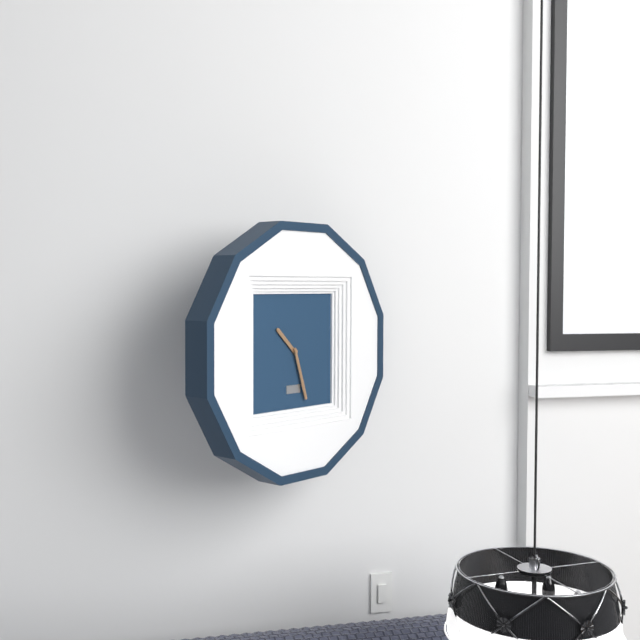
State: 10 h 27 min
